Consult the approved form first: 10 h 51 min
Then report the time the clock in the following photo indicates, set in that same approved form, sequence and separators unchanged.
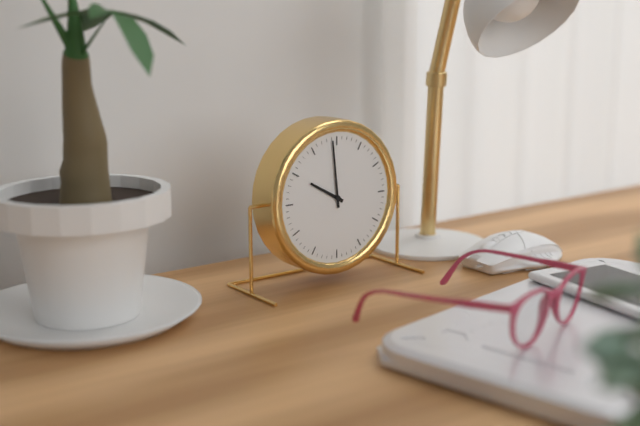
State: 9 h 59 min
